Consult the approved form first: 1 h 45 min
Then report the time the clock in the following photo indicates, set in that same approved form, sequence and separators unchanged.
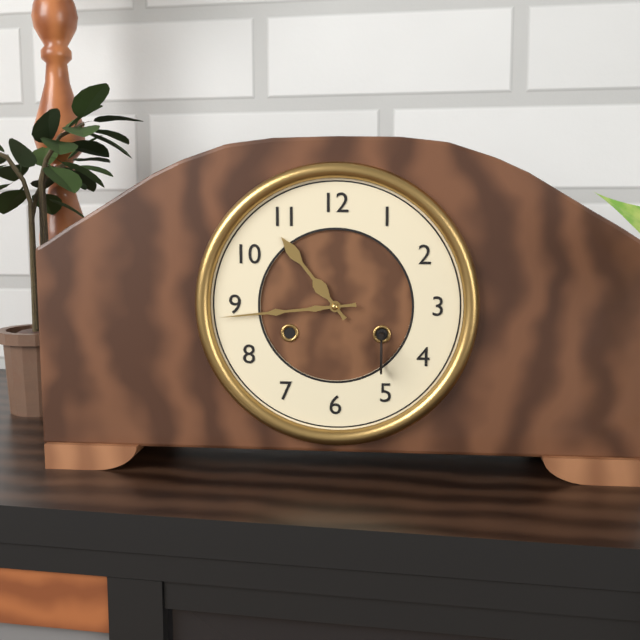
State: 10 h 44 min
